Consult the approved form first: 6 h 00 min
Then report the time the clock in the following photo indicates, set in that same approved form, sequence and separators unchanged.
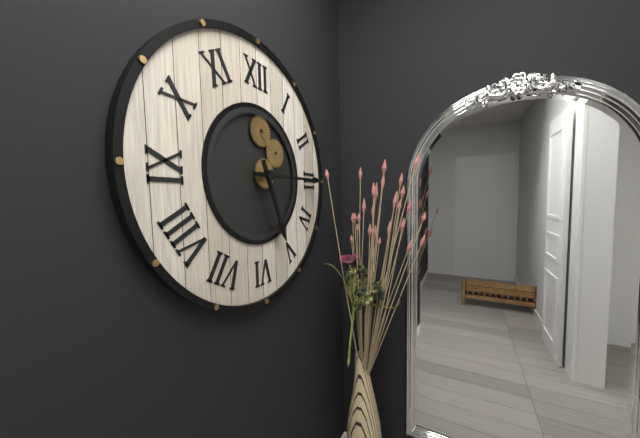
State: 5 h 15 min
